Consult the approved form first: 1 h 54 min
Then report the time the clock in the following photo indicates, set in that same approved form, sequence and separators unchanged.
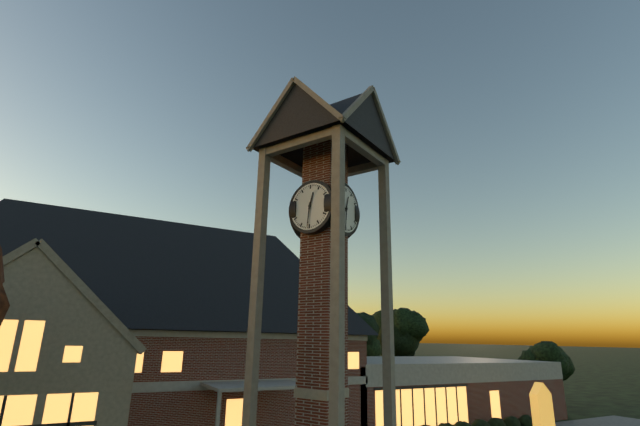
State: 12 h 31 min
